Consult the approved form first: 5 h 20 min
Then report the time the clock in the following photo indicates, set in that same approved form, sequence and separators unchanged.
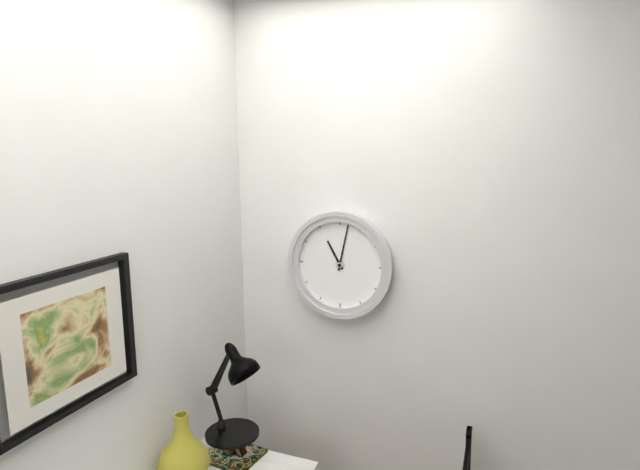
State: 11 h 02 min
